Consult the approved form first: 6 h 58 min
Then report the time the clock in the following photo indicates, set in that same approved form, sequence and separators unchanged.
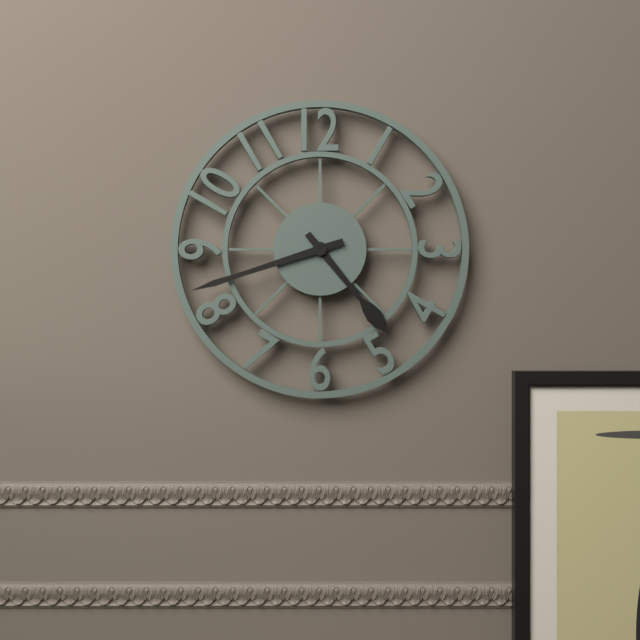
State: 4 h 42 min
